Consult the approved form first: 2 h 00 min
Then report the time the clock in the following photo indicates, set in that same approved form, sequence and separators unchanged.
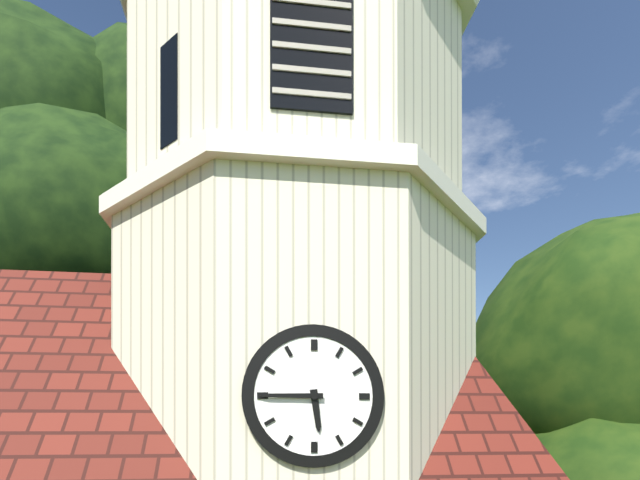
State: 5 h 45 min
